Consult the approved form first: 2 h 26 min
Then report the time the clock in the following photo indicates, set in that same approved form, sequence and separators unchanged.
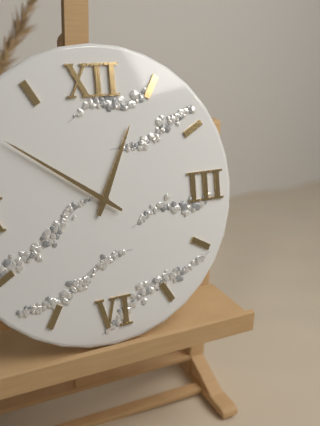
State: 12 h 51 min
